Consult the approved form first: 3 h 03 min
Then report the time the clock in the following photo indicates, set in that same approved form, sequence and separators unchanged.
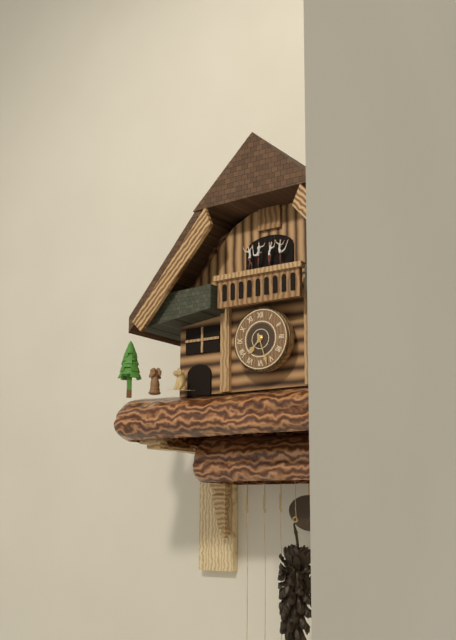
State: 7 h 27 min
